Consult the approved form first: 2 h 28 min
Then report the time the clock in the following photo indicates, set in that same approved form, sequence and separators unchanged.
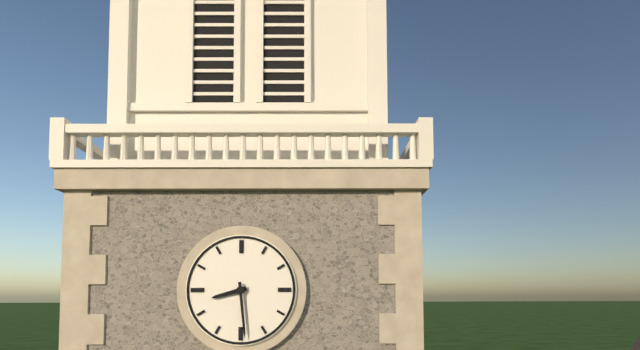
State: 8 h 29 min
